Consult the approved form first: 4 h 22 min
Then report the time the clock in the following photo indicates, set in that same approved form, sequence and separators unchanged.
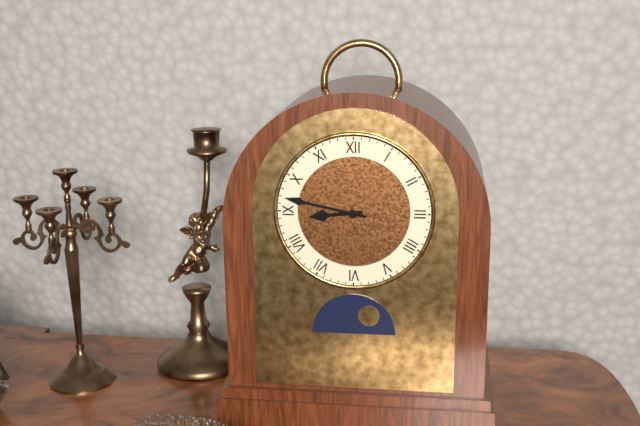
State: 8 h 47 min
